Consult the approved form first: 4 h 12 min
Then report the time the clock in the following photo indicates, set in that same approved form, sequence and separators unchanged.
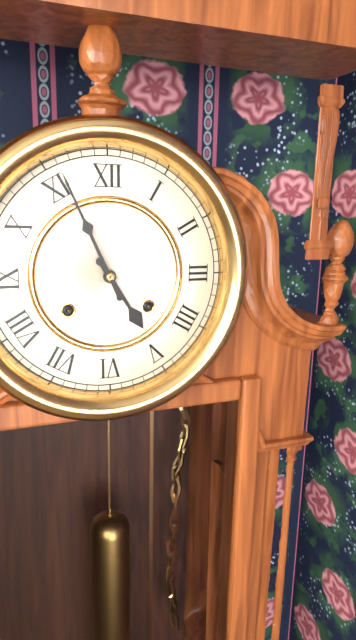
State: 4 h 56 min
